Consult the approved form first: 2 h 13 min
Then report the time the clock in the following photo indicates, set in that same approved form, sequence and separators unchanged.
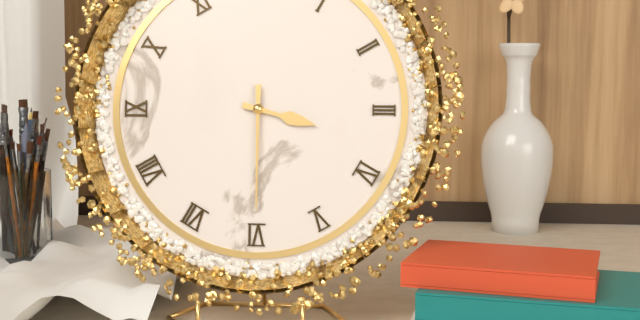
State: 3 h 30 min
